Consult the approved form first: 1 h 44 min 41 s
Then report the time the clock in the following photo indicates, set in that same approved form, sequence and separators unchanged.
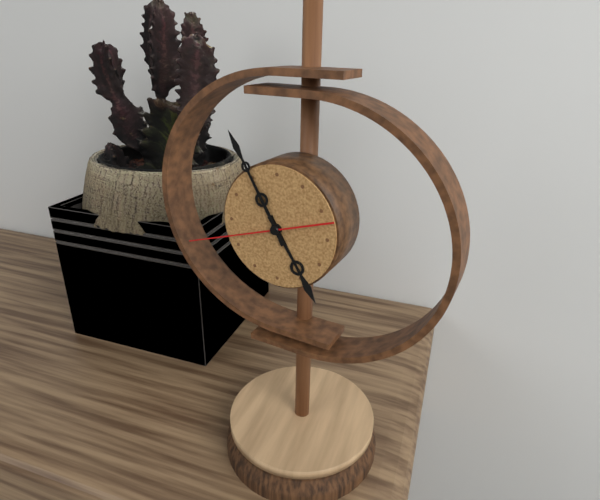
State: 4 h 55 min 42 s
